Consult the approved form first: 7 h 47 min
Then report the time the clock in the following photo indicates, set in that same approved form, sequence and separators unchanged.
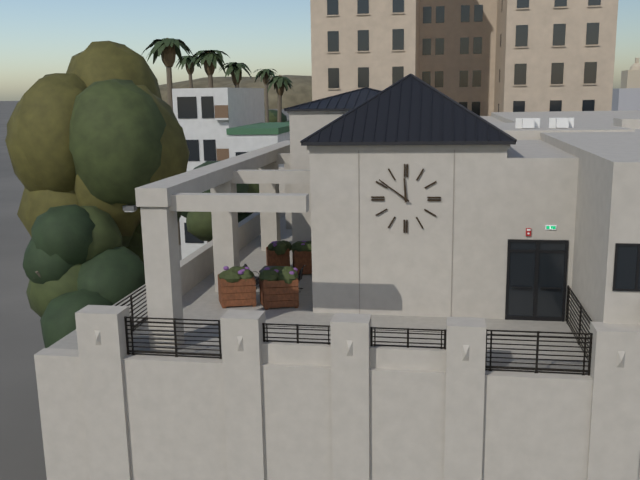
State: 11 h 51 min
